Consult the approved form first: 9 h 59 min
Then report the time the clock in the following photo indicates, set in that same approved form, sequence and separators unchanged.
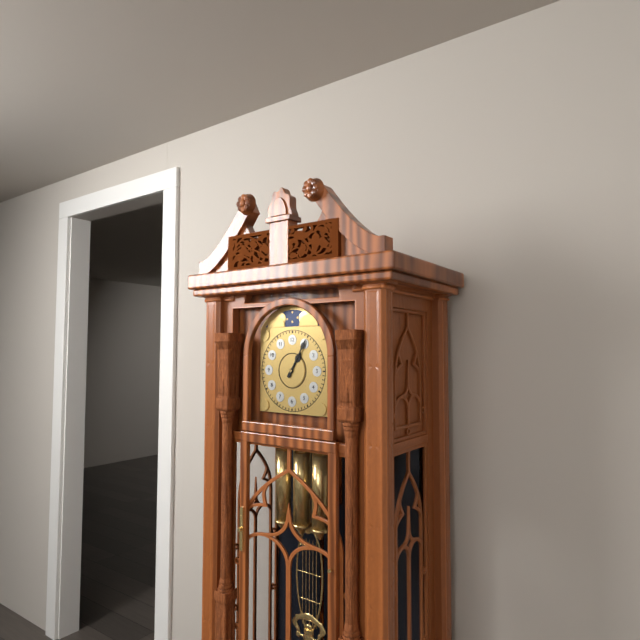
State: 1 h 05 min
